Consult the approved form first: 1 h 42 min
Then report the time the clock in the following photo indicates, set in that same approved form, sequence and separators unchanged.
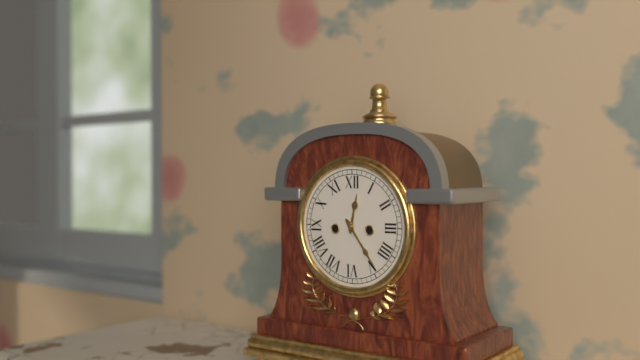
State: 12 h 24 min
